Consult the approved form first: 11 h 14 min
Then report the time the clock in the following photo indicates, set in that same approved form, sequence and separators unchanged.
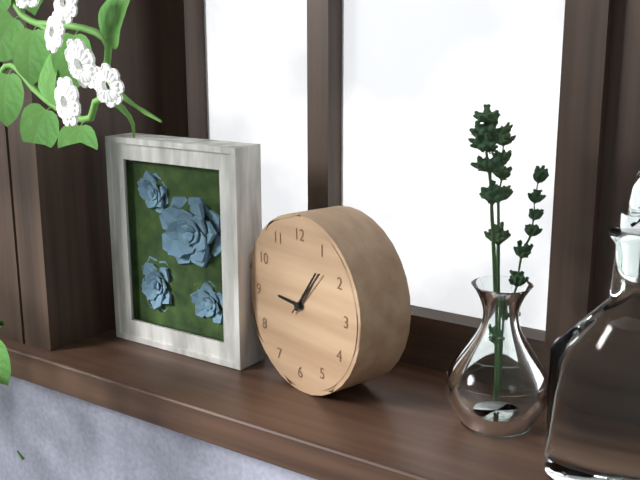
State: 9 h 06 min
